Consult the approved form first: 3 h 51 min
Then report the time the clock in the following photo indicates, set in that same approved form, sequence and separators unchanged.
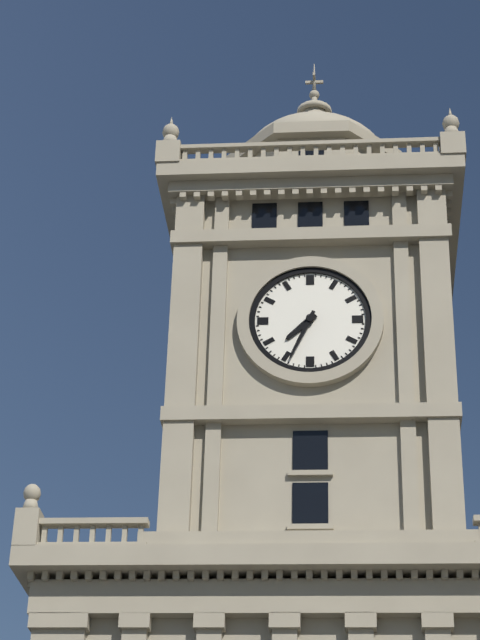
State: 7 h 34 min
